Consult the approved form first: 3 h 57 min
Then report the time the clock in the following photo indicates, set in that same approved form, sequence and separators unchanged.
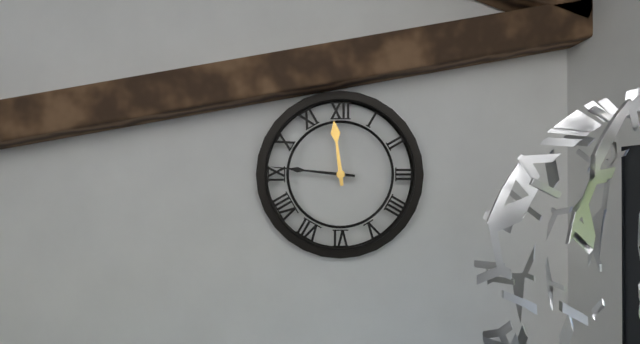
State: 11 h 46 min
